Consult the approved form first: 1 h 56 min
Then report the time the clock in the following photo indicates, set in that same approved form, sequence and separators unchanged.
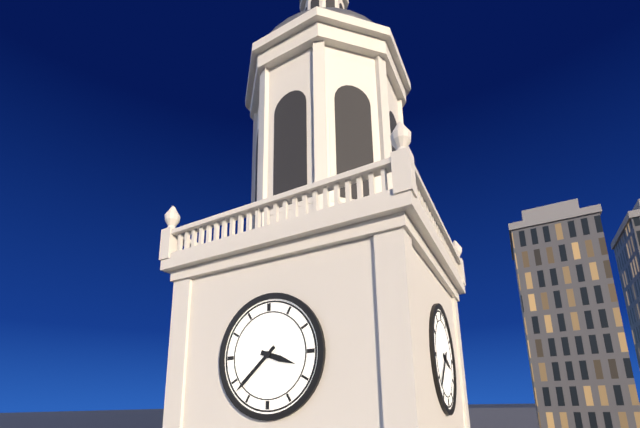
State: 3 h 38 min
